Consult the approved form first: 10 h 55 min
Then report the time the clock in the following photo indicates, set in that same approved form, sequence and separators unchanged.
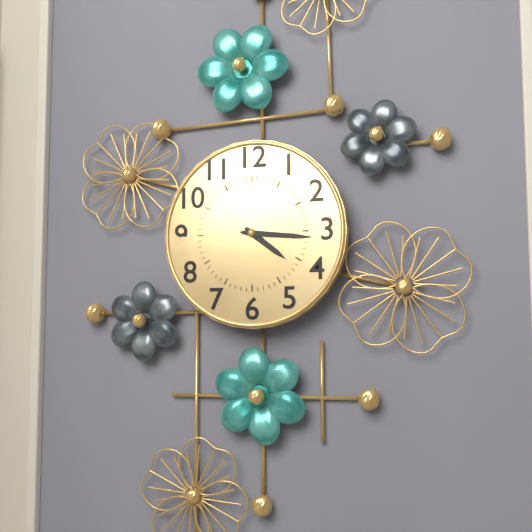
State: 4 h 16 min
